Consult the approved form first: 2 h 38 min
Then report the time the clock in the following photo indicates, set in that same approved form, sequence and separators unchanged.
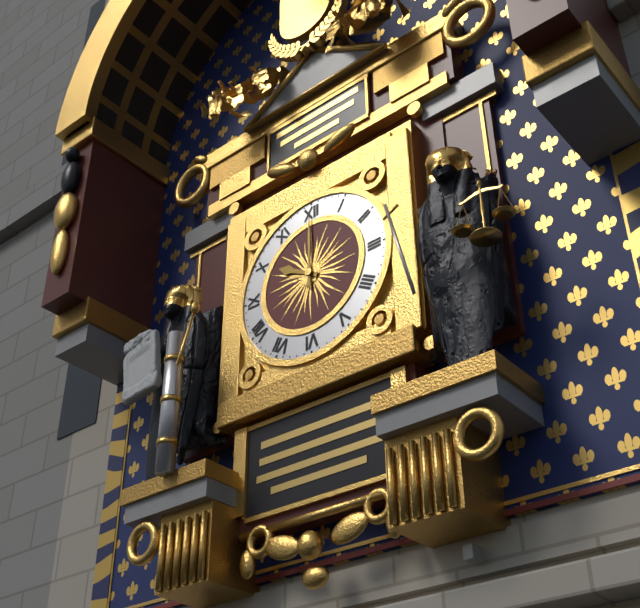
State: 10 h 00 min
